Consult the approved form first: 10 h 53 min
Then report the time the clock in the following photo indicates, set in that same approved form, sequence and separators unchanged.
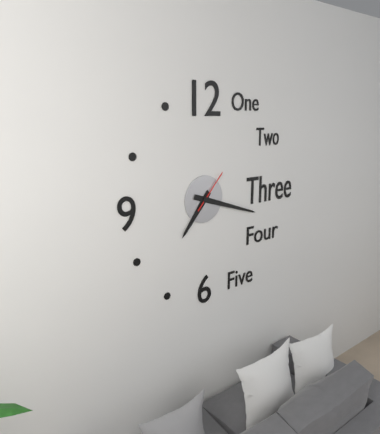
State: 7 h 18 min
